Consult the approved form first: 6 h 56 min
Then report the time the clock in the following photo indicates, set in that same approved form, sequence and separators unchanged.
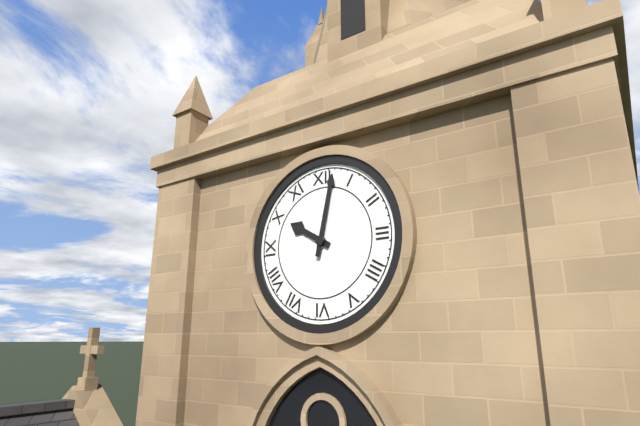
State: 10 h 02 min
